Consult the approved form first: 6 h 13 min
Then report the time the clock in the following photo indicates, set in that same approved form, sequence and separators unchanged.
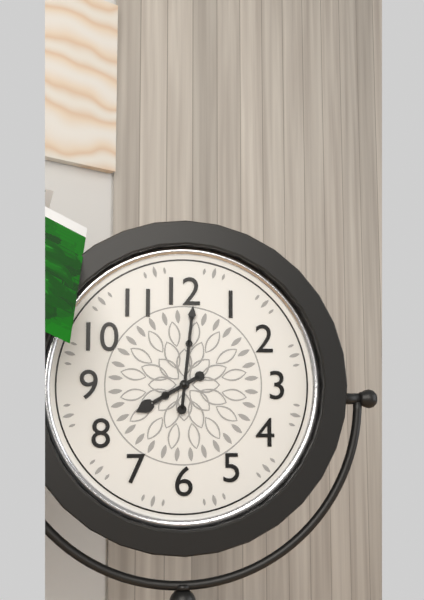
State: 8 h 01 min
